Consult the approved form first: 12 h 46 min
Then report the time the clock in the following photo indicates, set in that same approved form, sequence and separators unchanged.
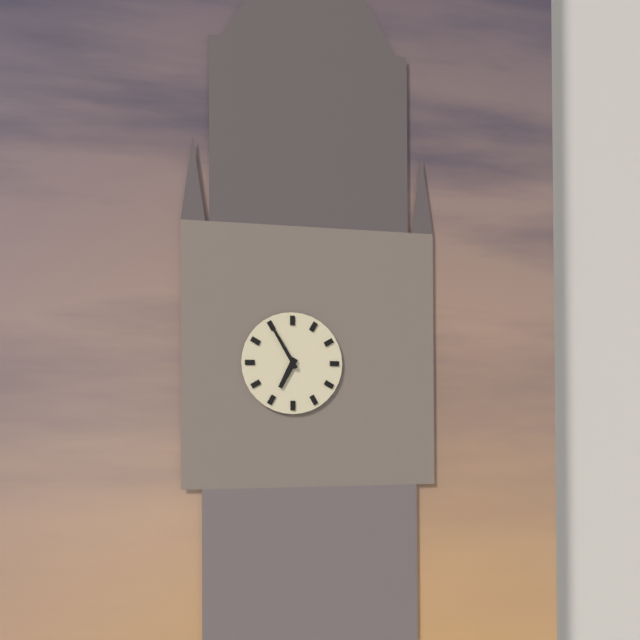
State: 6 h 55 min
